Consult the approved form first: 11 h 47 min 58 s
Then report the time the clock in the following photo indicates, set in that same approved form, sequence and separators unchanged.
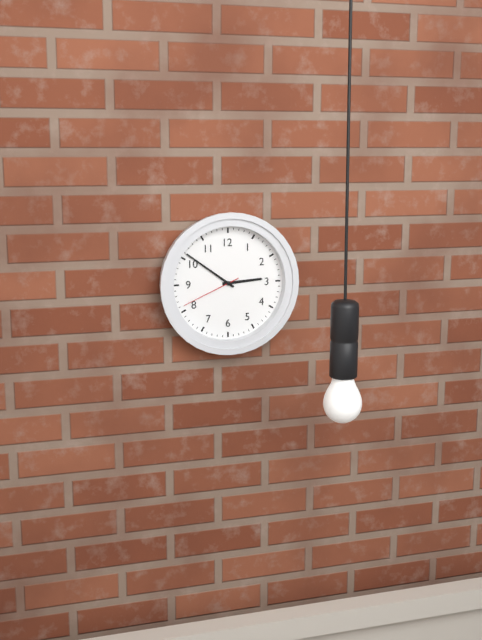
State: 2 h 51 min 41 s
